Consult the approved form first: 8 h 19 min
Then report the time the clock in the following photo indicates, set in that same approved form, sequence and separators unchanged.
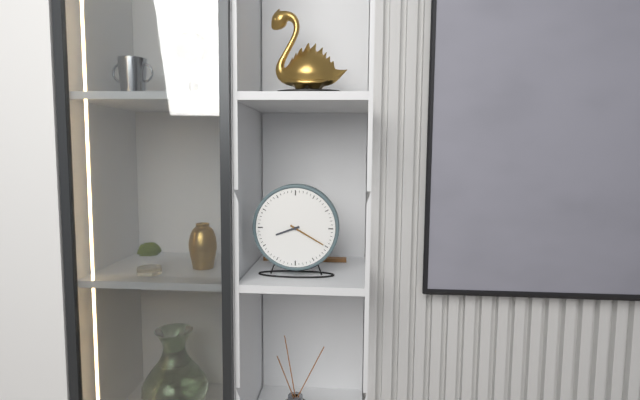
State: 8 h 20 min
